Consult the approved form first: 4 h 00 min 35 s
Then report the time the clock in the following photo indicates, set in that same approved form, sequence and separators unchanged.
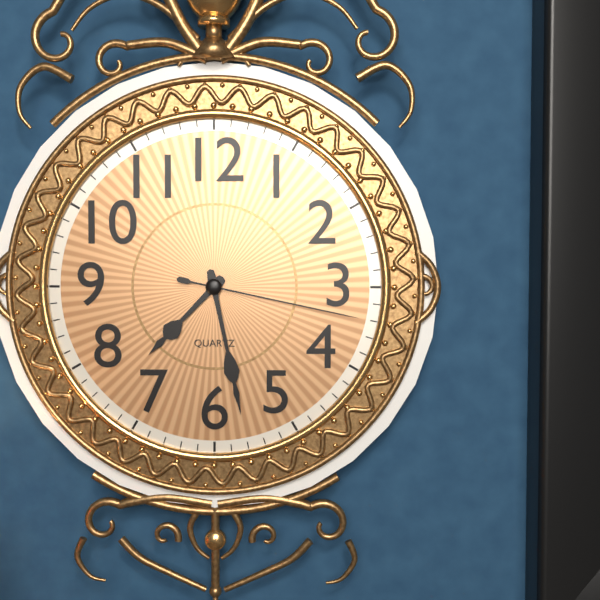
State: 7 h 28 min 17 s
